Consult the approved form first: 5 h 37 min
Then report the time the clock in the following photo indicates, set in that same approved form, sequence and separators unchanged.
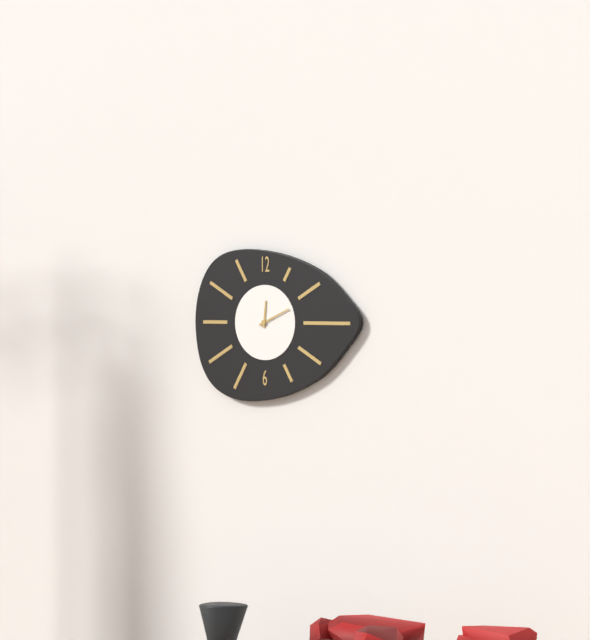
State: 12 h 11 min
